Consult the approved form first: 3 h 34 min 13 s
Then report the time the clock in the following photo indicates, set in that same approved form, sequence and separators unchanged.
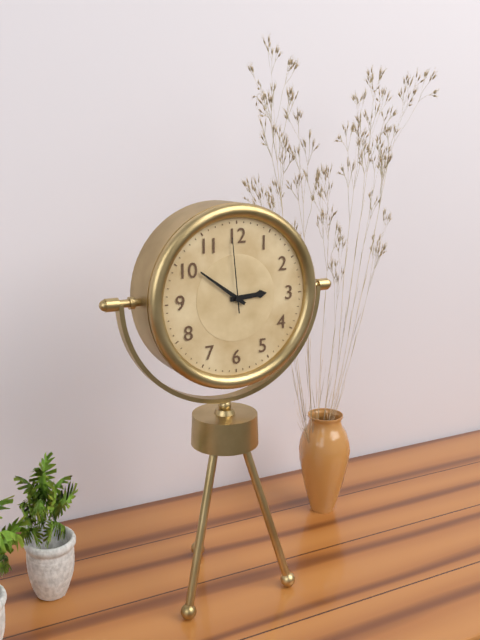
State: 2 h 51 min 59 s
